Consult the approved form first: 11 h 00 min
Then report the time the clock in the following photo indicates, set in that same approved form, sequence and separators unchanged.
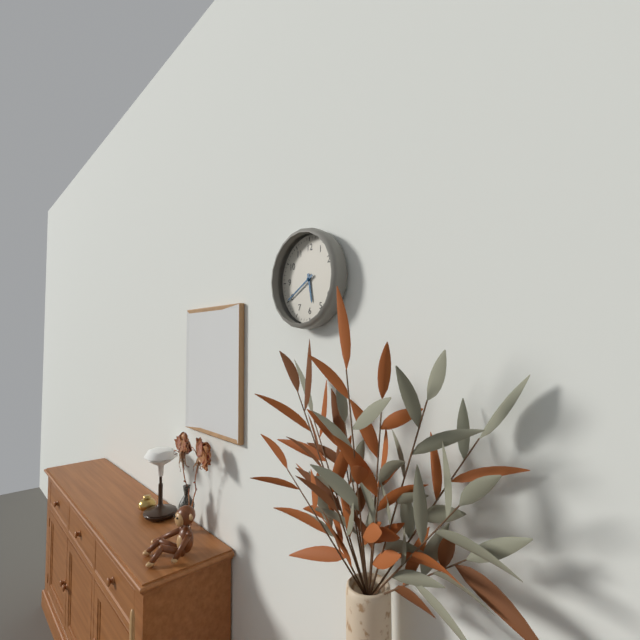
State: 5 h 40 min
